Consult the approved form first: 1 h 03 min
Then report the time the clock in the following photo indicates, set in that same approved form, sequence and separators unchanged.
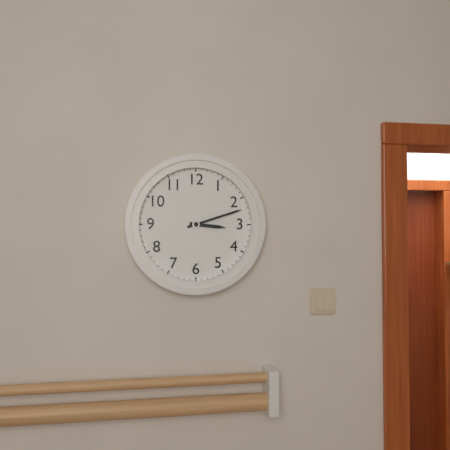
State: 3 h 12 min
